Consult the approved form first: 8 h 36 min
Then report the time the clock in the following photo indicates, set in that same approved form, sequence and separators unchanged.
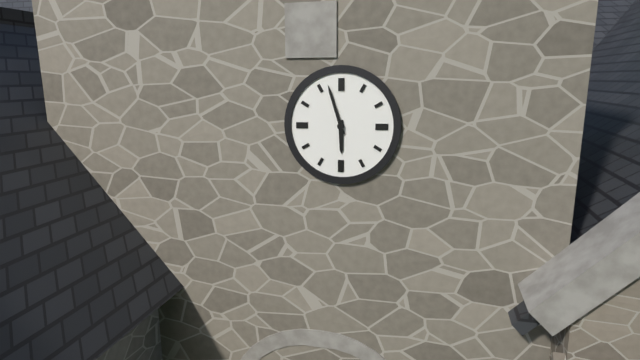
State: 5 h 57 min
